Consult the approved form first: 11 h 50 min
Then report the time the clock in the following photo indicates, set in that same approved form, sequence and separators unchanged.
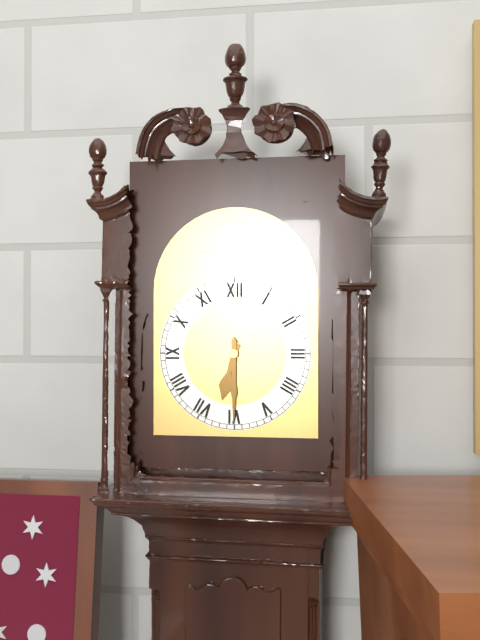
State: 6 h 30 min
